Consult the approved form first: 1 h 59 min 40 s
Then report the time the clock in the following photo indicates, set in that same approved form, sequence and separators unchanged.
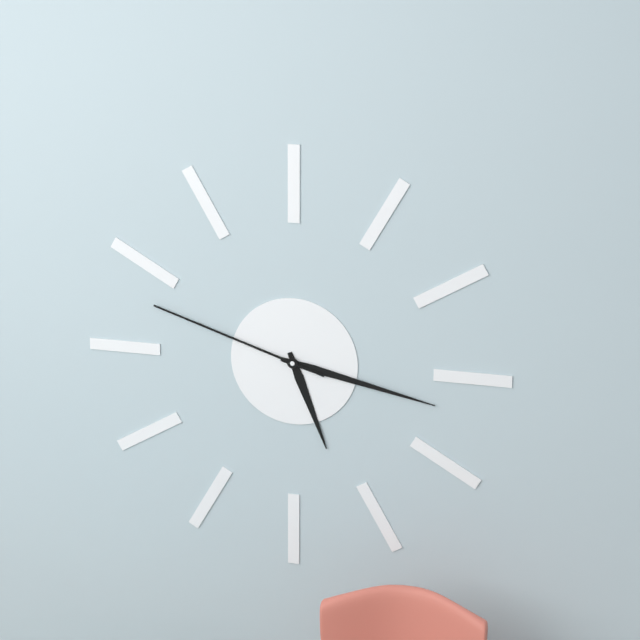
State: 5 h 17 min 48 s
